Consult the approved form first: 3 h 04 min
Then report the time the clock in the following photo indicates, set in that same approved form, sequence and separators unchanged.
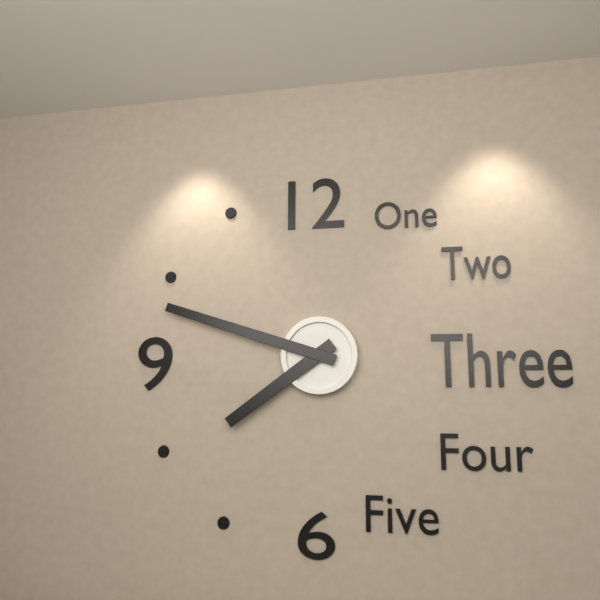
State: 7 h 48 min
